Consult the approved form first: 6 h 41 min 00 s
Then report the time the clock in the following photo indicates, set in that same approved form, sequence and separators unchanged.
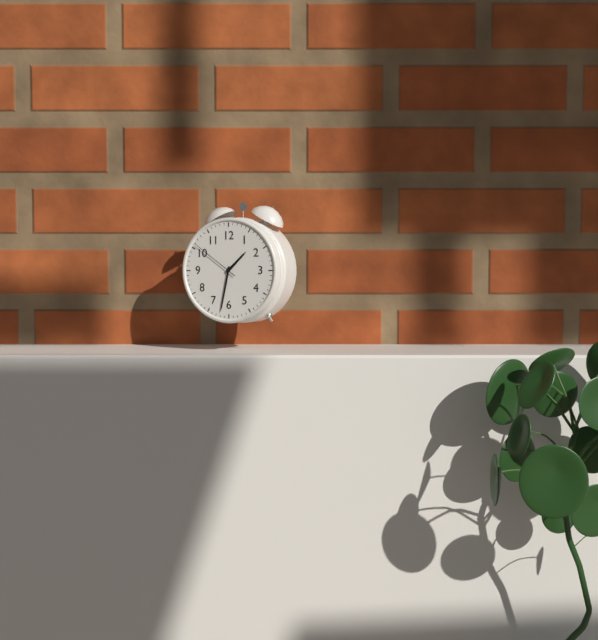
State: 1 h 32 min 51 s
